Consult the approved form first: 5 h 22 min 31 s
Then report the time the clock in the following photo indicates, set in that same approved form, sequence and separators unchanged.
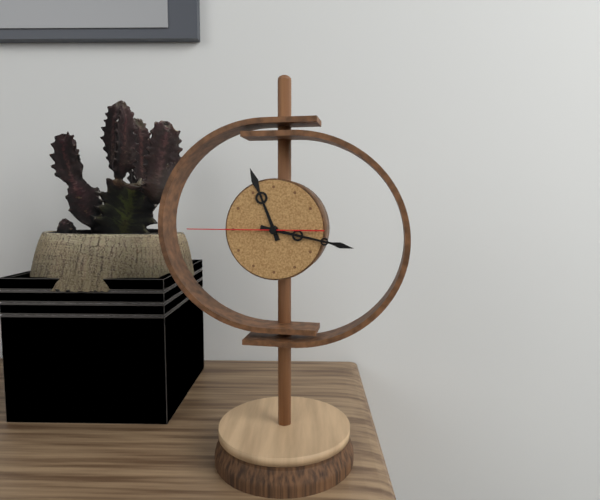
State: 11 h 17 min 45 s
